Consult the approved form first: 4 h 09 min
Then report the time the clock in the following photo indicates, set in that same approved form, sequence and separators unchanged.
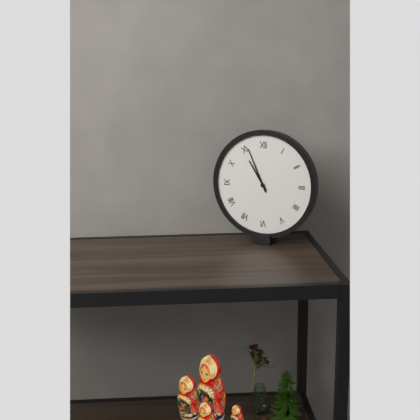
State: 10 h 56 min
